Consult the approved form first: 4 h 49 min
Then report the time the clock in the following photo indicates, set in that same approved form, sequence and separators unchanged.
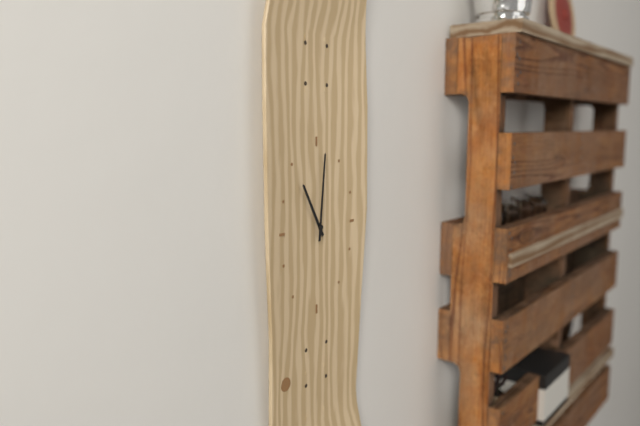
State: 11 h 01 min
